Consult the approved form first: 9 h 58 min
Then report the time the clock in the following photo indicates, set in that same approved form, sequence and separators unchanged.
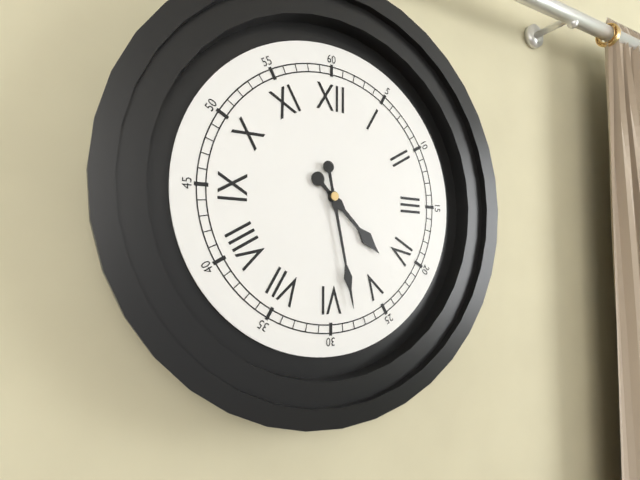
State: 4 h 28 min
